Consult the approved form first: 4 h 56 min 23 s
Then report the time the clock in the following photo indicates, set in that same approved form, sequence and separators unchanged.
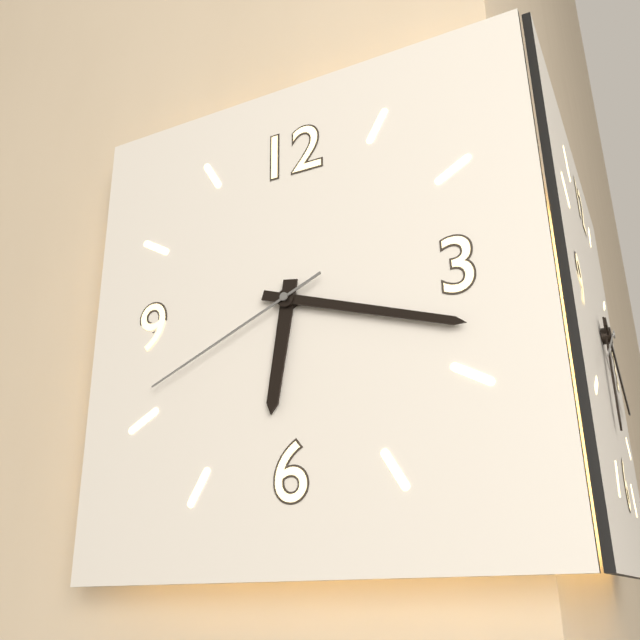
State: 6 h 18 min 41 s
